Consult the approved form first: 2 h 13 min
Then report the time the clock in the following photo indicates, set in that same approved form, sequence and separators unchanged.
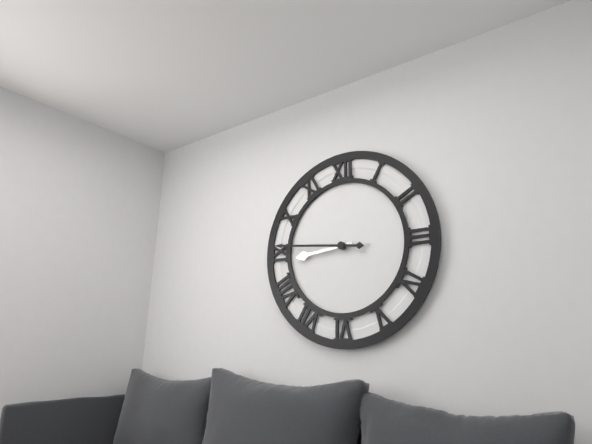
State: 8 h 46 min
